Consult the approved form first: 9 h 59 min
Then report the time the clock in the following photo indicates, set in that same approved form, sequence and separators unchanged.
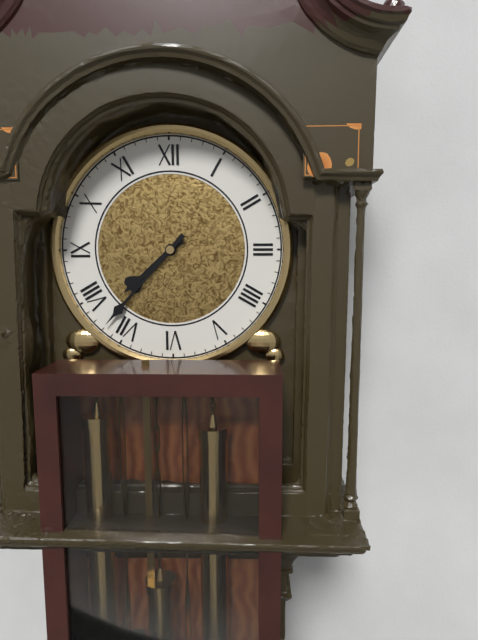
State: 7 h 37 min
